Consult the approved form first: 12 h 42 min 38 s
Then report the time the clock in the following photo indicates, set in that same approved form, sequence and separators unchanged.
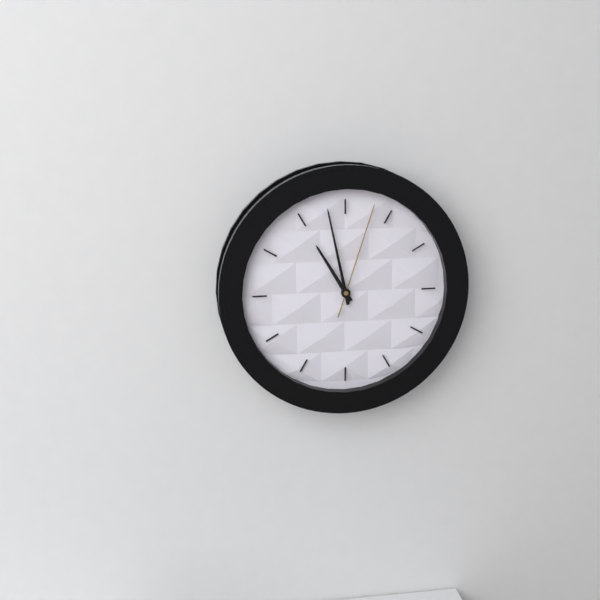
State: 10 h 58 min 03 s
